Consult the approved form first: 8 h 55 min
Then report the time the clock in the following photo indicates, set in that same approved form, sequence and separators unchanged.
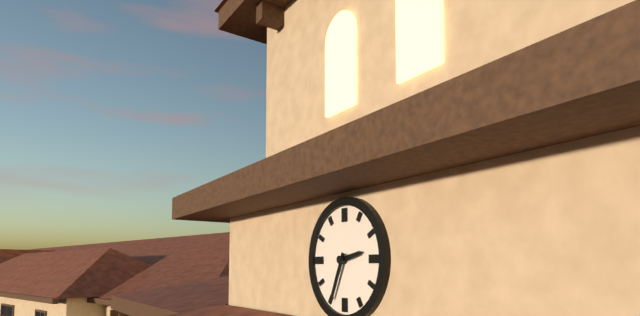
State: 2 h 34 min
